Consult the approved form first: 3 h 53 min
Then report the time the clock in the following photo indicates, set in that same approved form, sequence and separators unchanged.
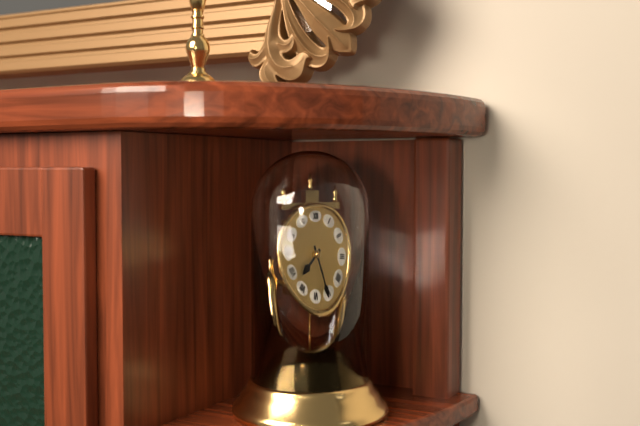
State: 7 h 26 min
